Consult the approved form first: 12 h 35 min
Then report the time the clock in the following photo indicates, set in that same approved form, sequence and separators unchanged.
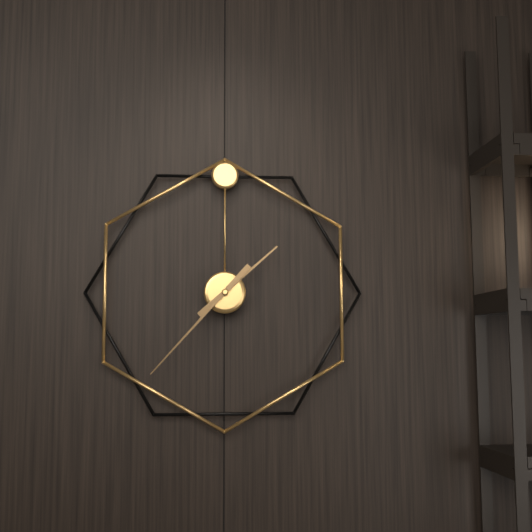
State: 1 h 37 min
